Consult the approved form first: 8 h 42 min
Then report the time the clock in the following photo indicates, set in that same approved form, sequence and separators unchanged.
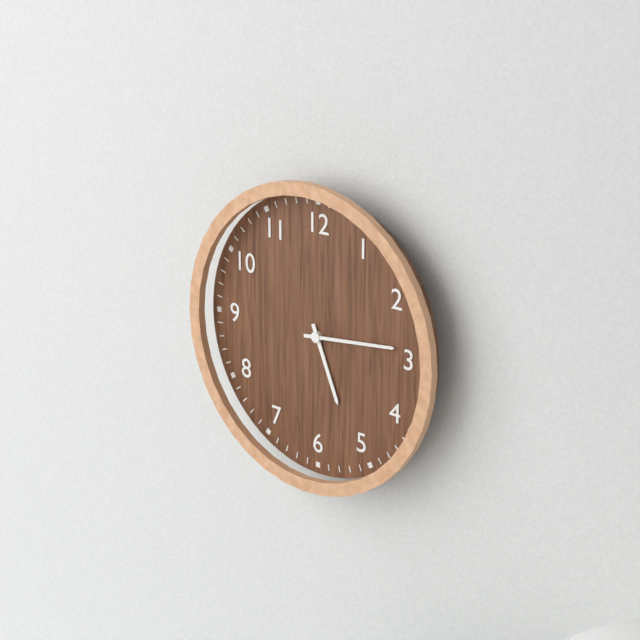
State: 5 h 14 min
